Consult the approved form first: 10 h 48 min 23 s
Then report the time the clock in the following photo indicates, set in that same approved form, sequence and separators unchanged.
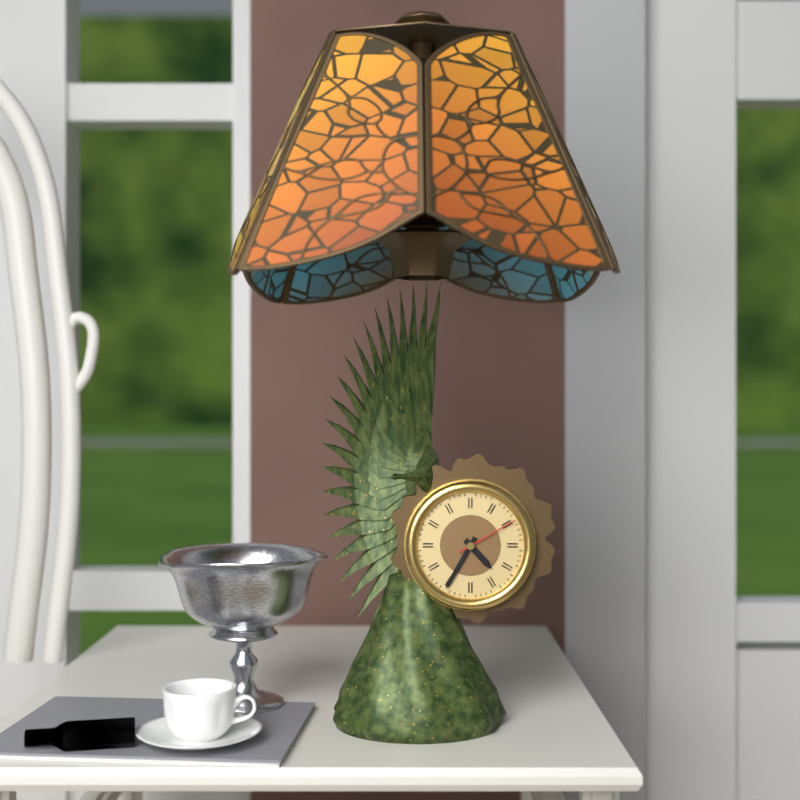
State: 4 h 35 min 10 s
